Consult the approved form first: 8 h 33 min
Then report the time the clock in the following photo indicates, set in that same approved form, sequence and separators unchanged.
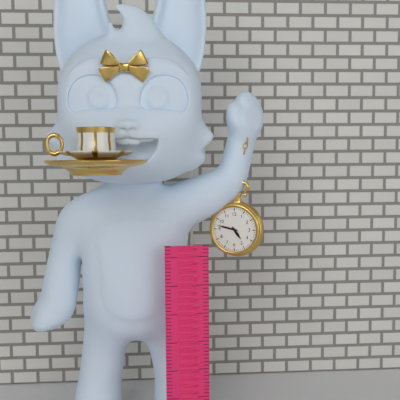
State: 4 h 47 min
